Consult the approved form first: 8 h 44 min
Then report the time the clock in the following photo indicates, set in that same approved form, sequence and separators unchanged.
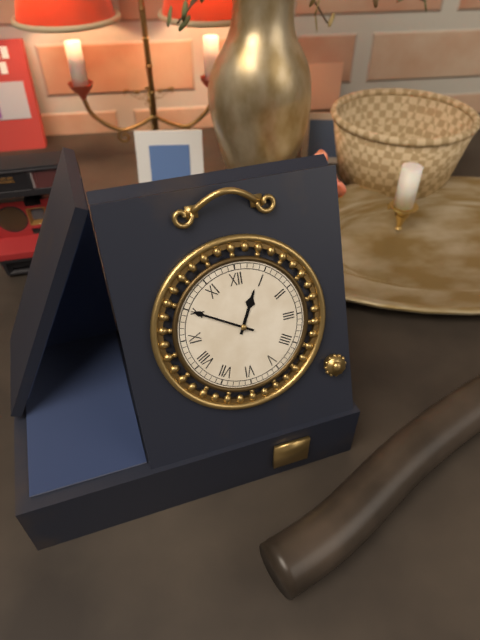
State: 12 h 50 min
